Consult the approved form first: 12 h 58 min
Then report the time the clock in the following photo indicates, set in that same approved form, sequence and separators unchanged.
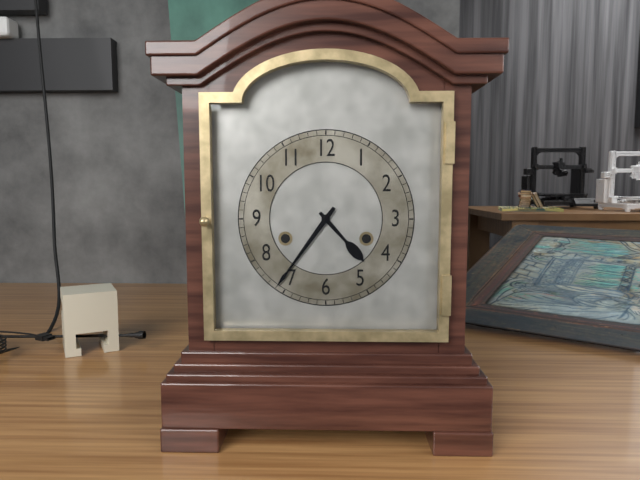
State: 4 h 36 min
